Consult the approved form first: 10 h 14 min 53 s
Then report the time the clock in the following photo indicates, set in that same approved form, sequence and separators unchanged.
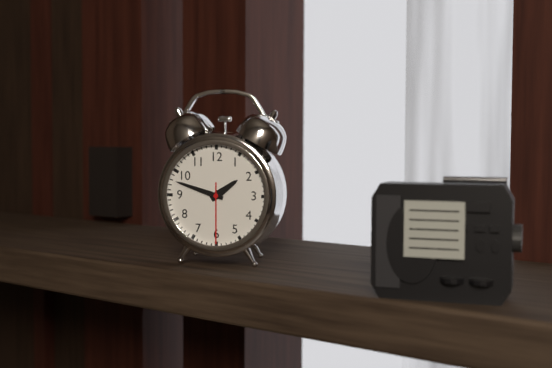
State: 1 h 48 min 30 s
